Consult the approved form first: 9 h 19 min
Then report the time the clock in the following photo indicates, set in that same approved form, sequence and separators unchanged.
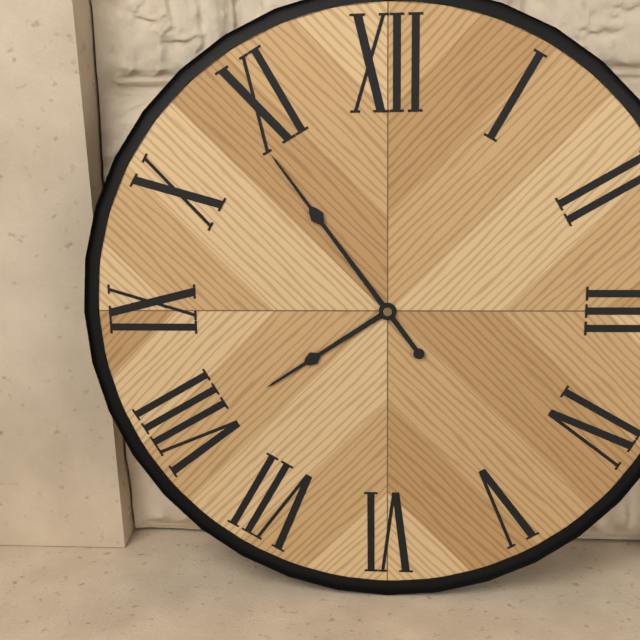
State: 7 h 54 min
